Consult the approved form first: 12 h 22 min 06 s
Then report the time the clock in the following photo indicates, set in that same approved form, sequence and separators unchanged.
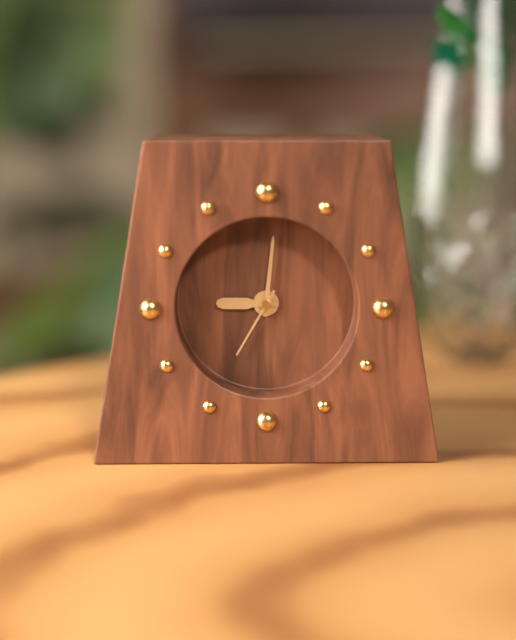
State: 9 h 01 min 35 s
